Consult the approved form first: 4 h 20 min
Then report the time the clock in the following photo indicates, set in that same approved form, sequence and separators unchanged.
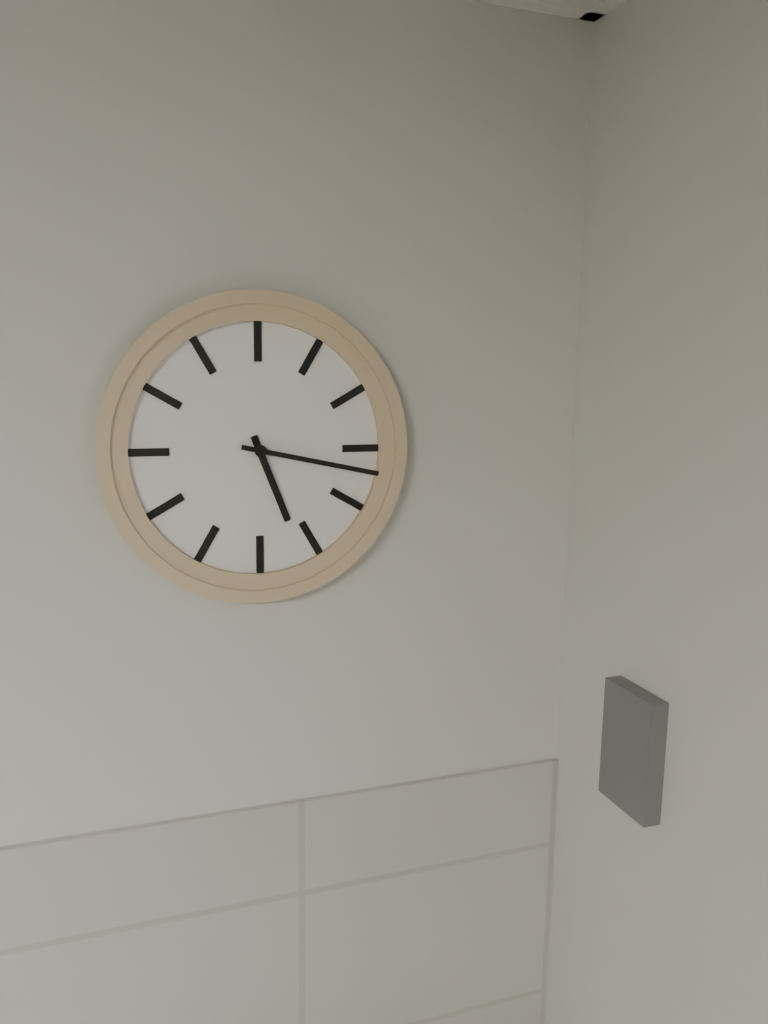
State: 5 h 17 min
